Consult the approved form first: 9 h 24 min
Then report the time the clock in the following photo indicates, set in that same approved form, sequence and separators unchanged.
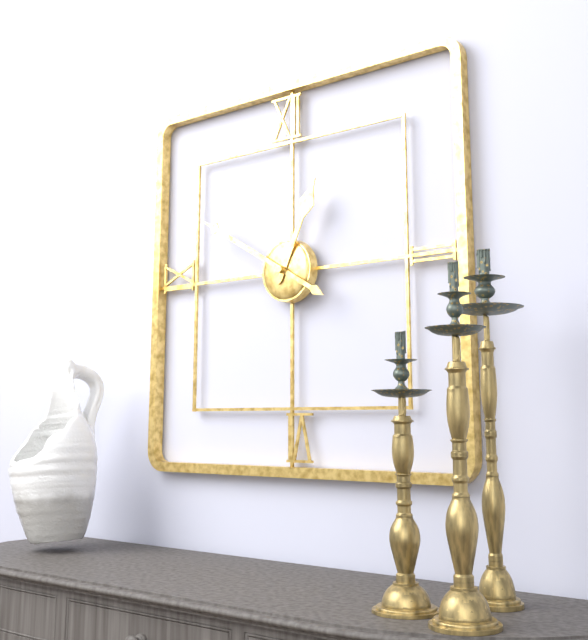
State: 12 h 50 min
